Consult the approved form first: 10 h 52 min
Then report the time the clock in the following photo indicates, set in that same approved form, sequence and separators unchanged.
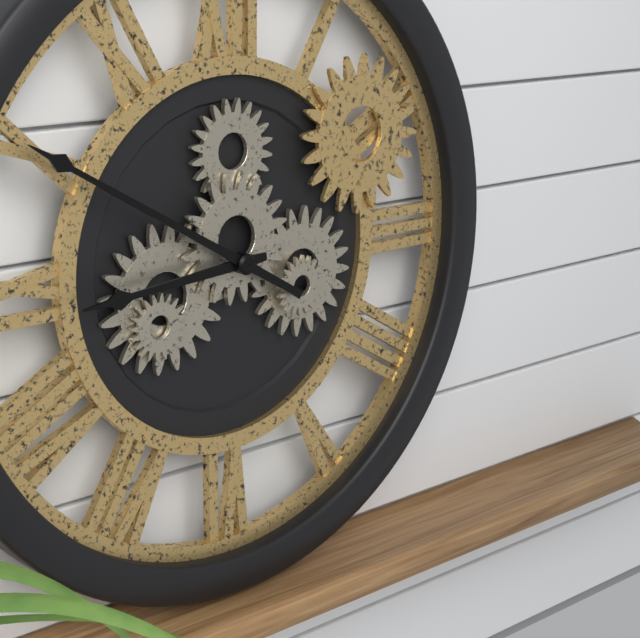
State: 8 h 50 min
